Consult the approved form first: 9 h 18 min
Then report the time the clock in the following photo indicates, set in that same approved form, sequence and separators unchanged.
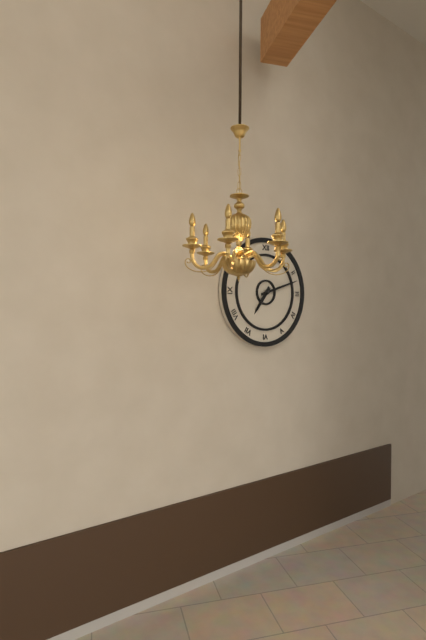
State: 7 h 12 min
